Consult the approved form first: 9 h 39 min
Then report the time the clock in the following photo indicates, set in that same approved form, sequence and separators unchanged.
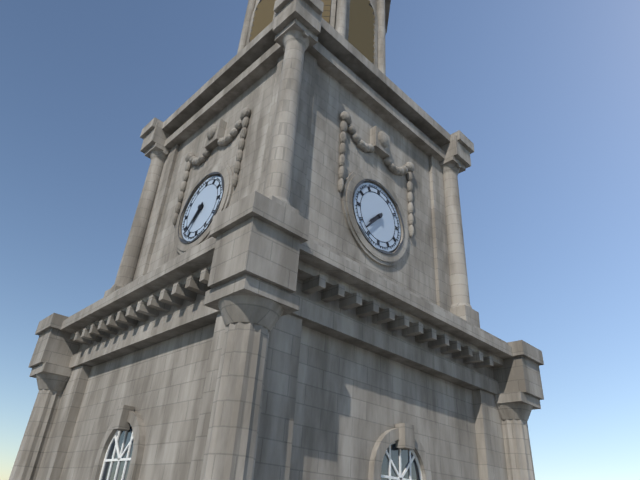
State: 7 h 37 min
